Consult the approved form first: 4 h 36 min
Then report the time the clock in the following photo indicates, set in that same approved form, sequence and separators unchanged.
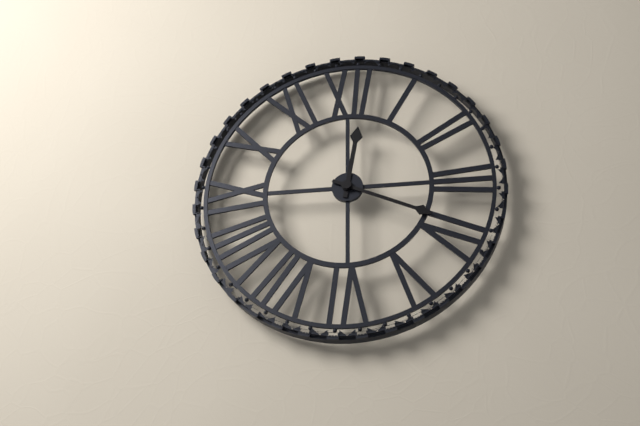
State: 12 h 19 min
